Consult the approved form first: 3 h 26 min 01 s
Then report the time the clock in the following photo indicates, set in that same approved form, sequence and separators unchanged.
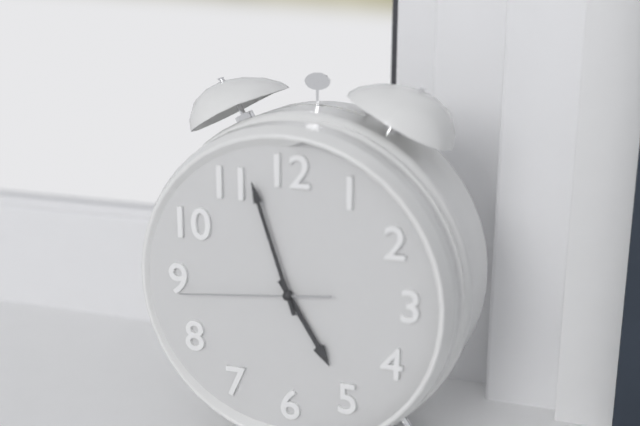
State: 4 h 57 min 44 s
